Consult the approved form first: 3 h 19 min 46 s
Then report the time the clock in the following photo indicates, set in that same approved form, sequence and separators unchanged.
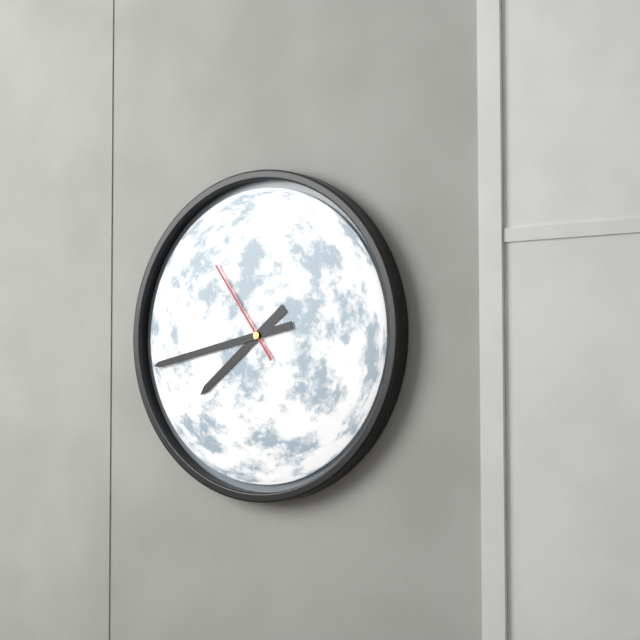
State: 7 h 43 min 54 s
